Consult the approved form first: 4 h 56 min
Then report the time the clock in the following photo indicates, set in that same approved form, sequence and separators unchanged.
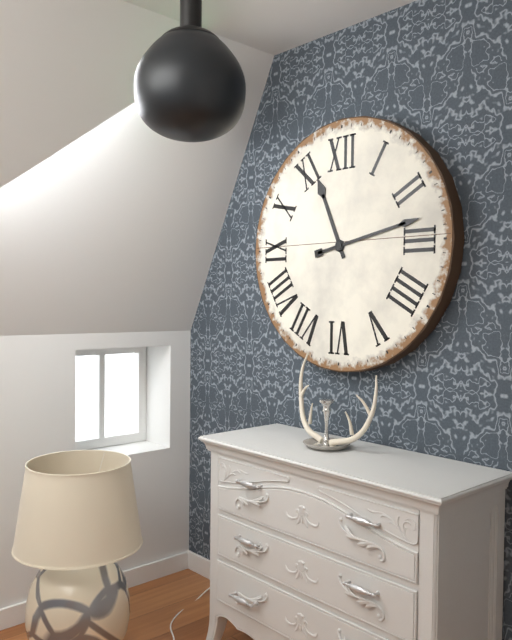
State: 11 h 13 min
